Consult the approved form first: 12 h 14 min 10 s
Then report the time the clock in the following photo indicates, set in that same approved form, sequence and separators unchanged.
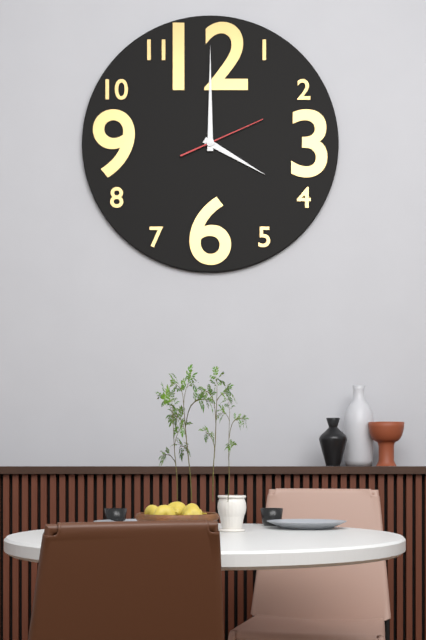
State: 4 h 00 min 11 s
